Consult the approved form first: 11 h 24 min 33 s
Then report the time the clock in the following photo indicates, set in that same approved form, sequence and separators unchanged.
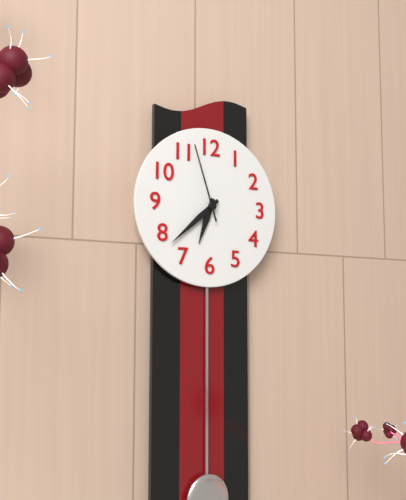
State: 6 h 38 min 57 s
